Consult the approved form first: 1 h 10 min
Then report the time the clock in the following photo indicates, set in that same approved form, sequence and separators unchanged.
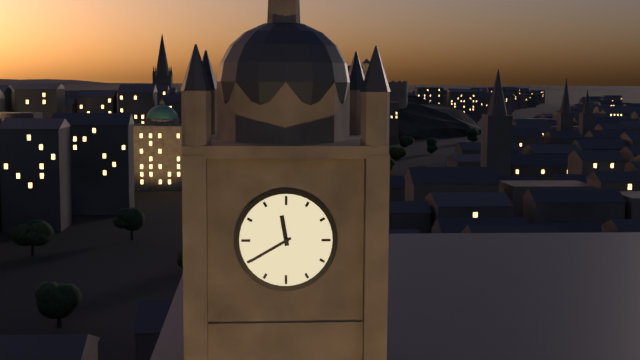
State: 11 h 40 min
